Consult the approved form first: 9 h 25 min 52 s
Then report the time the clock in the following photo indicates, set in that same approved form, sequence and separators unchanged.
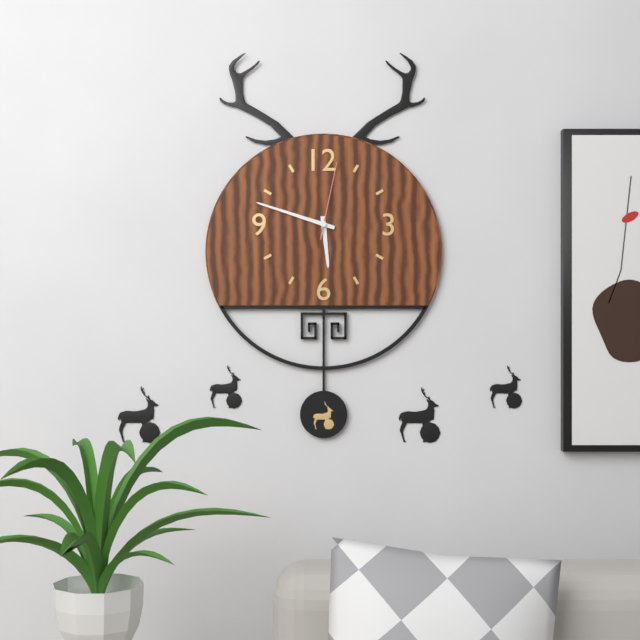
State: 5 h 48 min 02 s
